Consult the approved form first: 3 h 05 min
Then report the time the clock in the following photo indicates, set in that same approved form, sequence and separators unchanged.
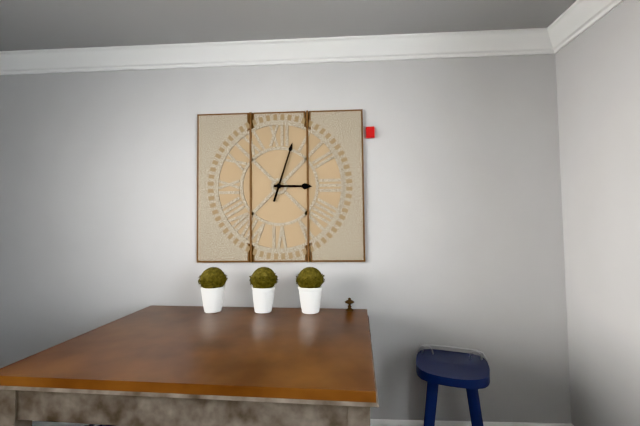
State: 3 h 03 min
